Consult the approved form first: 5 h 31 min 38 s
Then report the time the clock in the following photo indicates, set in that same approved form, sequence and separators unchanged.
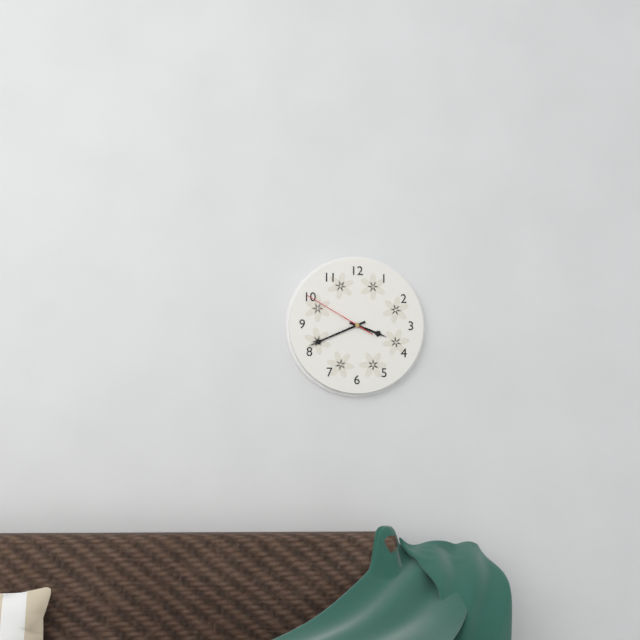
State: 3 h 41 min 50 s
